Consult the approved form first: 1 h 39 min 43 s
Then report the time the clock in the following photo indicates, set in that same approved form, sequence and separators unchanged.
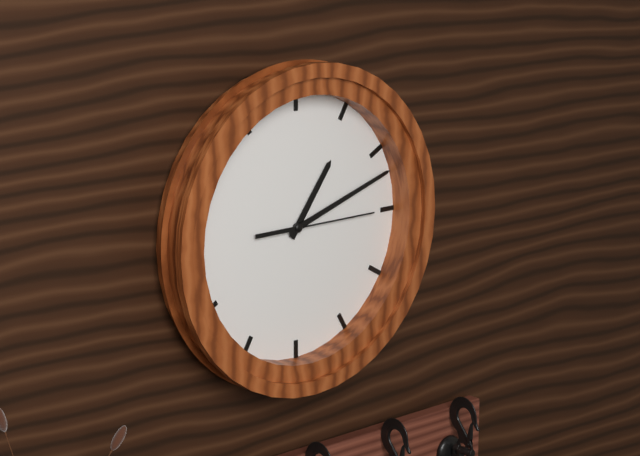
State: 1 h 12 min 15 s
